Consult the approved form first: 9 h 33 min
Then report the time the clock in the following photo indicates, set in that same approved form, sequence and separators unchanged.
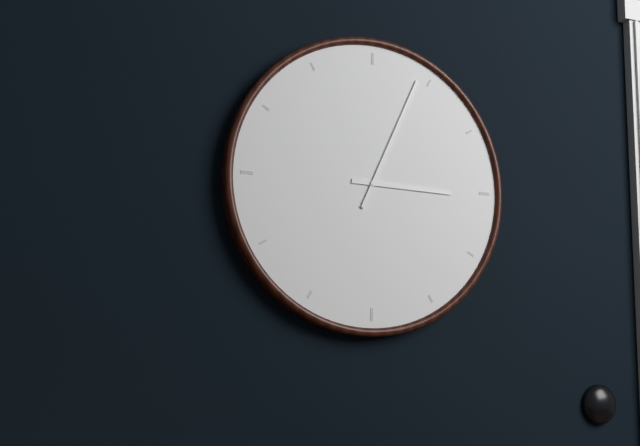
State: 3 h 04 min
